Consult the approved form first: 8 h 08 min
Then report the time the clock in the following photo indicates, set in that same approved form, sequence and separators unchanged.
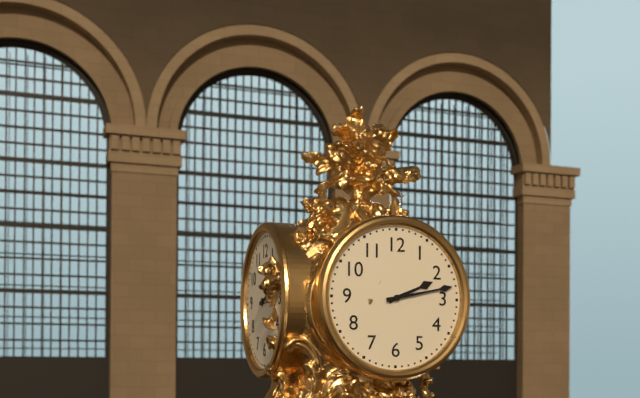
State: 2 h 13 min
